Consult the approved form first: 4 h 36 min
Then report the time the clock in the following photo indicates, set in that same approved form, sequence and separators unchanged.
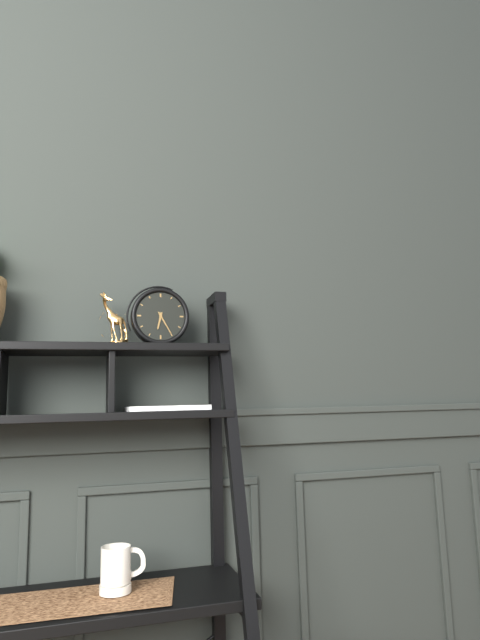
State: 6 h 25 min
